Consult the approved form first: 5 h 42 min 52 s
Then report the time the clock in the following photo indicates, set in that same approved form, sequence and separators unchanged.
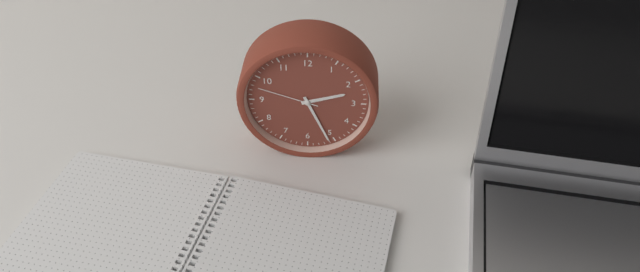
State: 2 h 26 min 48 s
